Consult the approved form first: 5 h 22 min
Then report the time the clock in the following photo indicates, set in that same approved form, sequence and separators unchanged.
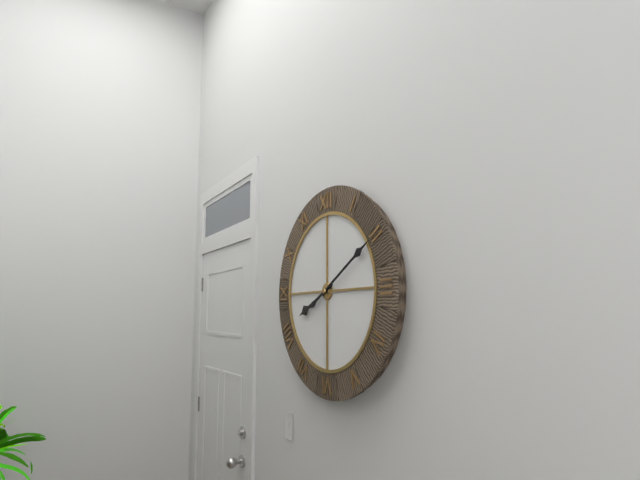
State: 8 h 10 min
